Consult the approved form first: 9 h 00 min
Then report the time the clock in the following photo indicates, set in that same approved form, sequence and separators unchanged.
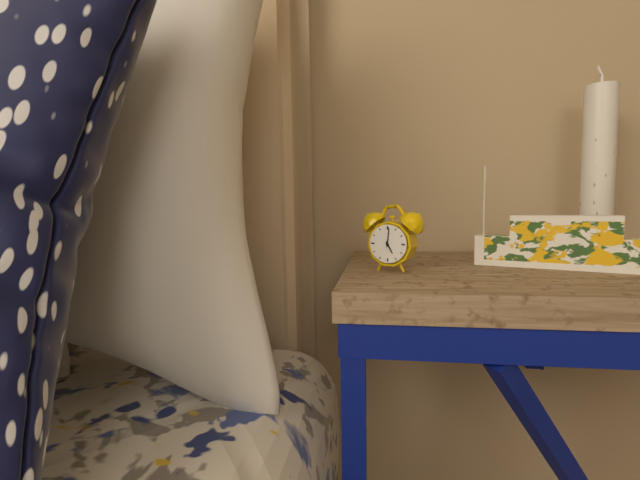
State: 5 h 01 min
